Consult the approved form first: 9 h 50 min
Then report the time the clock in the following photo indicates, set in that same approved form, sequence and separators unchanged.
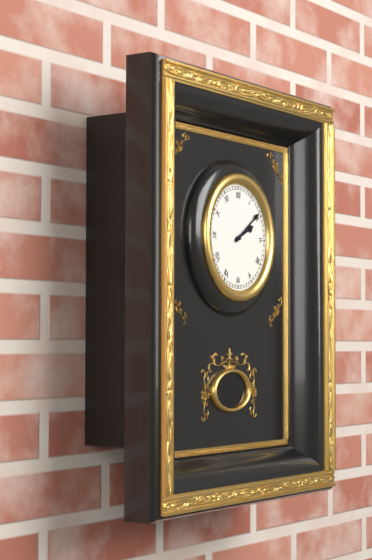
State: 2 h 09 min
